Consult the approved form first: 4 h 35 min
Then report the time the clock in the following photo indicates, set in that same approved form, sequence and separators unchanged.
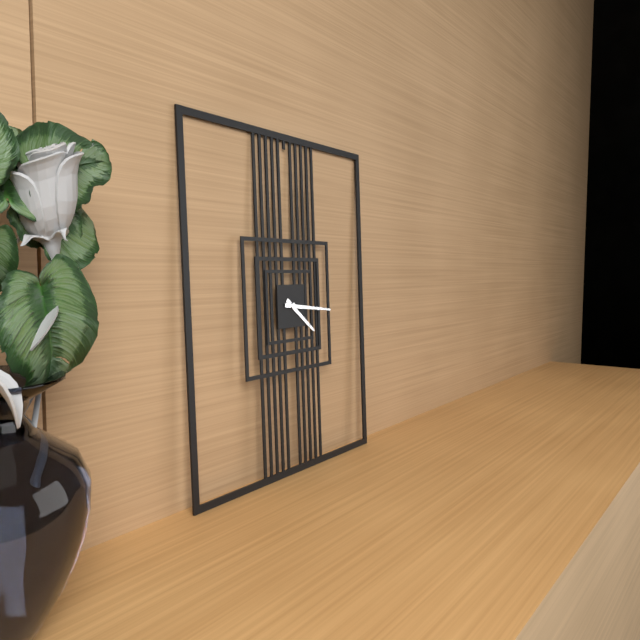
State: 4 h 16 min
